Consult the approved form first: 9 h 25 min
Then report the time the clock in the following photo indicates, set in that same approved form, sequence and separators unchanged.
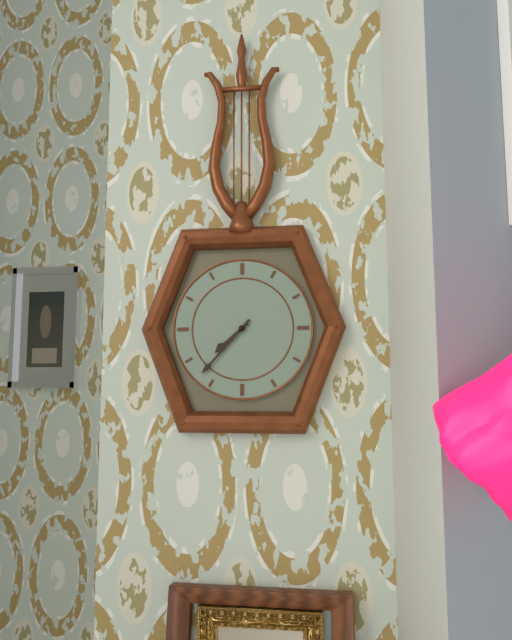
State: 7 h 37 min
